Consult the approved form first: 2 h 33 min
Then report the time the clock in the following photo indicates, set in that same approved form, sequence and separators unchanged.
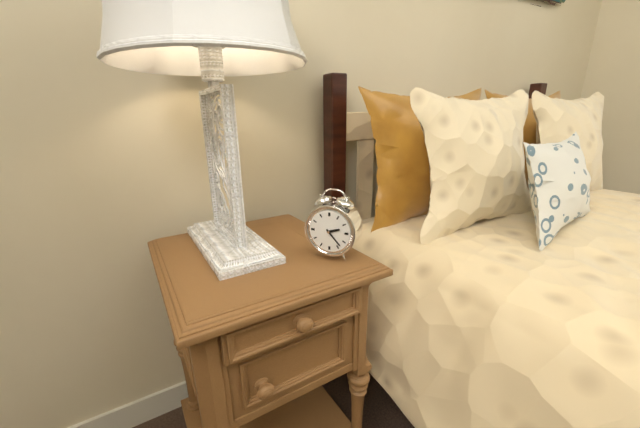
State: 2 h 23 min
